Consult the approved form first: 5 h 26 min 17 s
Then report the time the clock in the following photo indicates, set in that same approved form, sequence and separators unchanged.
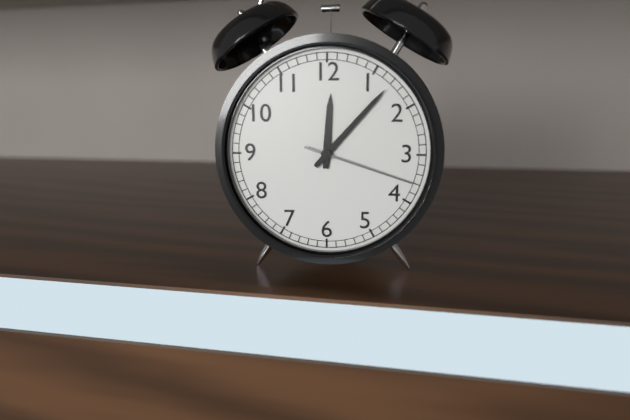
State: 12 h 07 min 18 s
